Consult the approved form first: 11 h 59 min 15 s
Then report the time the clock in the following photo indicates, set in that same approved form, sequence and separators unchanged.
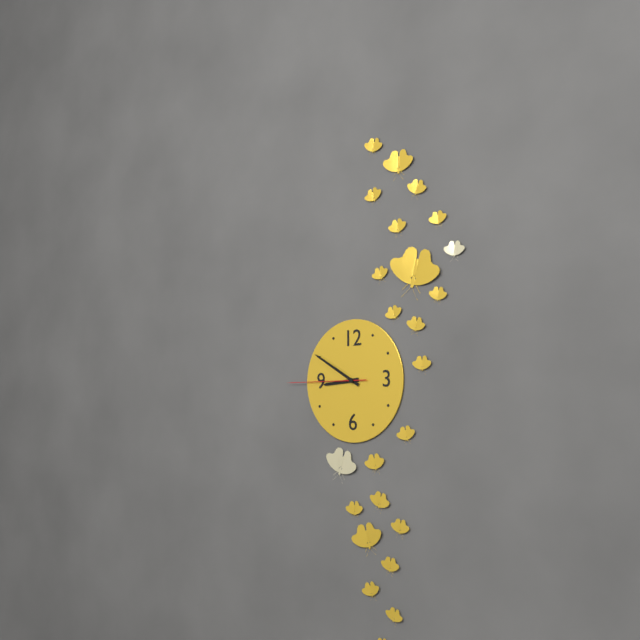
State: 8 h 50 min 45 s
